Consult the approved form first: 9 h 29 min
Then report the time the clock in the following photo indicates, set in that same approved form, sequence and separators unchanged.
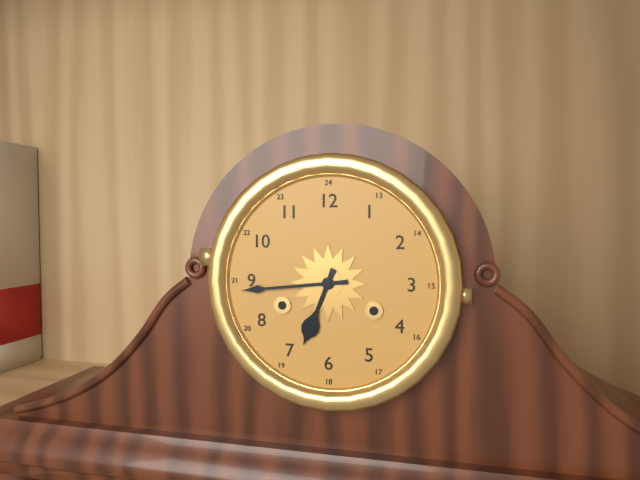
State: 6 h 44 min
